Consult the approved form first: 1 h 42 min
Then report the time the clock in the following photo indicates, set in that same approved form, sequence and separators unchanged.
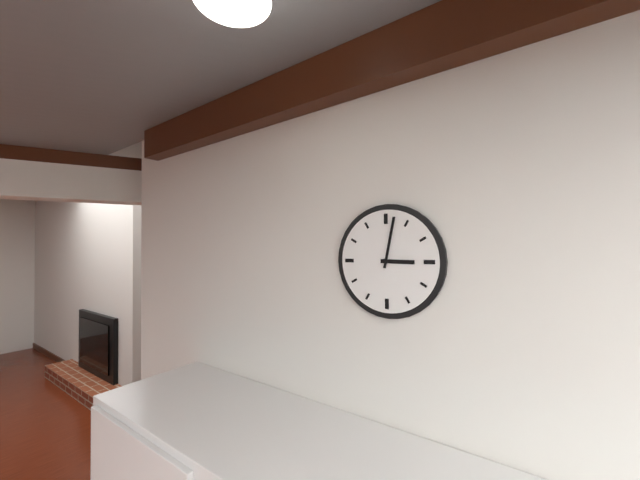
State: 3 h 02 min
